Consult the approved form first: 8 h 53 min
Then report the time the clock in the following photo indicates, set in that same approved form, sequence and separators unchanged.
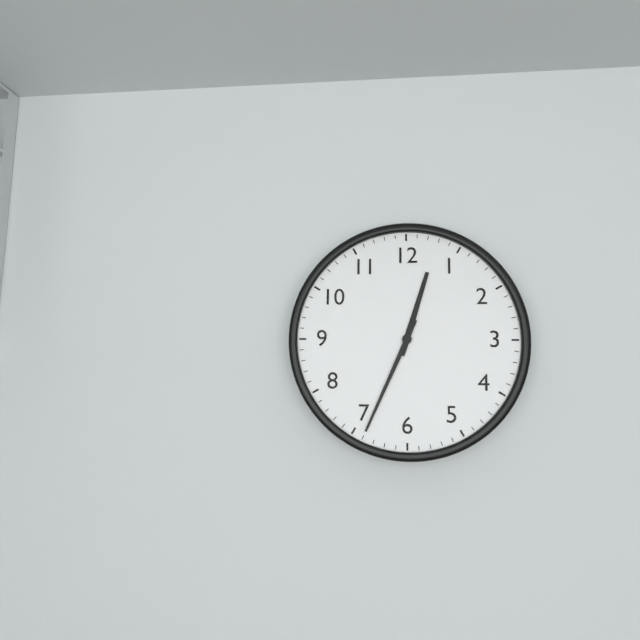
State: 12 h 34 min
